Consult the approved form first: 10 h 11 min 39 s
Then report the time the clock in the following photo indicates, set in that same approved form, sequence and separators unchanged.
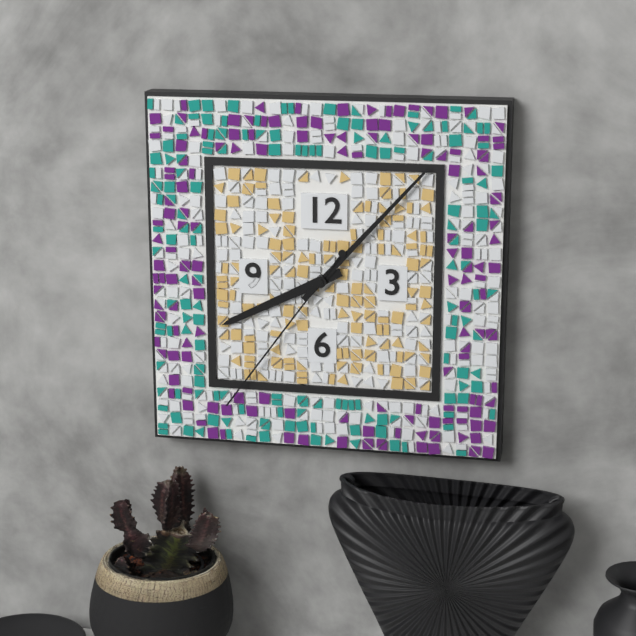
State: 8 h 07 min 36 s
